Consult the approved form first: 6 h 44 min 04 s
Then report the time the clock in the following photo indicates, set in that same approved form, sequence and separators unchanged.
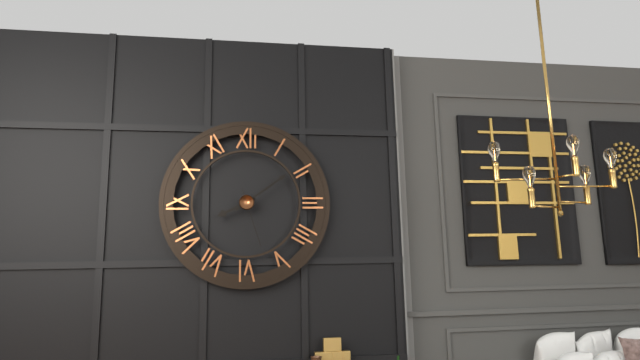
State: 8 h 09 min 27 s
